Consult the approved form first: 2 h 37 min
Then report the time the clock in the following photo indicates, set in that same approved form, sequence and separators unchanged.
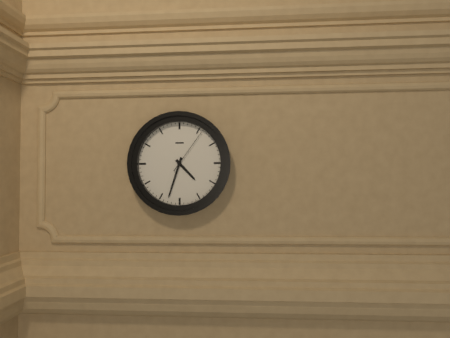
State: 4 h 33 min
